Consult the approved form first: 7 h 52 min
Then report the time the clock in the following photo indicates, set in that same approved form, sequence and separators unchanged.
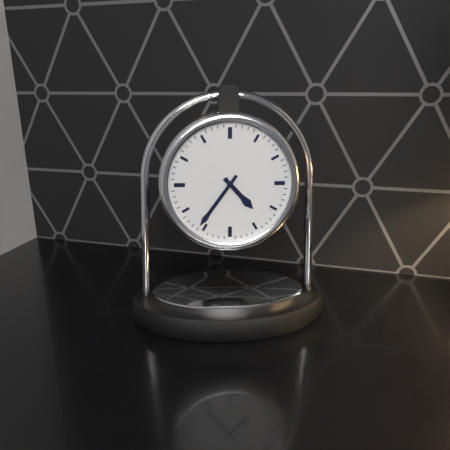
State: 4 h 36 min
